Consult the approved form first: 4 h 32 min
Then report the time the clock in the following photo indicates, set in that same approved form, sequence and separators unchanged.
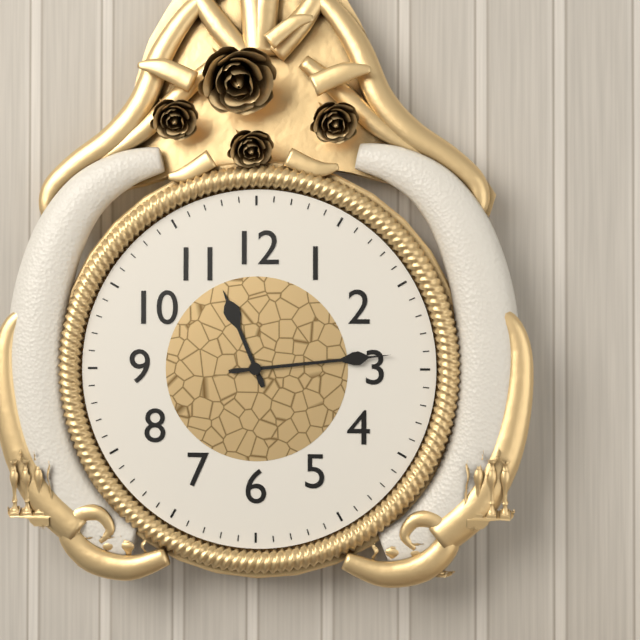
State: 11 h 14 min
